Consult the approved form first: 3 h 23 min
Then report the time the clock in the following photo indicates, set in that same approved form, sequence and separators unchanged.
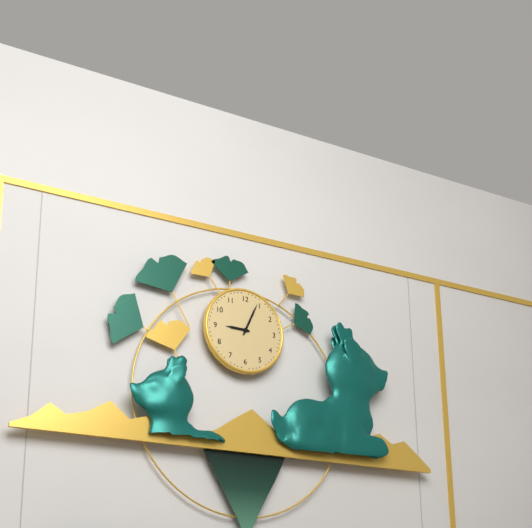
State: 9 h 04 min
